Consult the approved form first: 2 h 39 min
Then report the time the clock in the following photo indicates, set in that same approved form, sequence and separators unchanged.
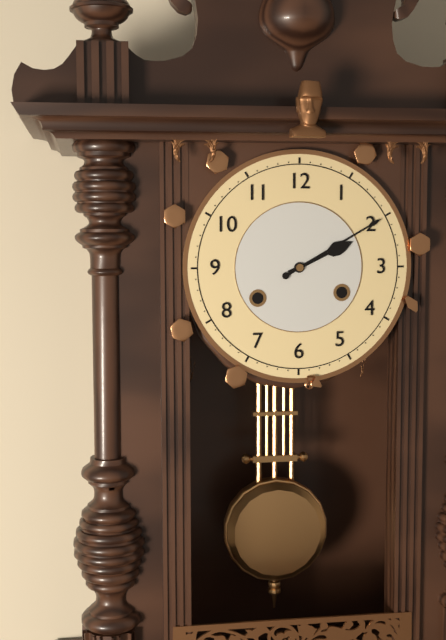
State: 2 h 10 min
